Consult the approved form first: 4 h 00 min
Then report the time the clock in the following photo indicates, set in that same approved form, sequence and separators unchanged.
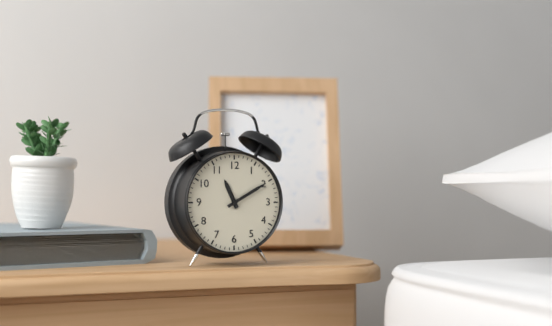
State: 11 h 10 min
